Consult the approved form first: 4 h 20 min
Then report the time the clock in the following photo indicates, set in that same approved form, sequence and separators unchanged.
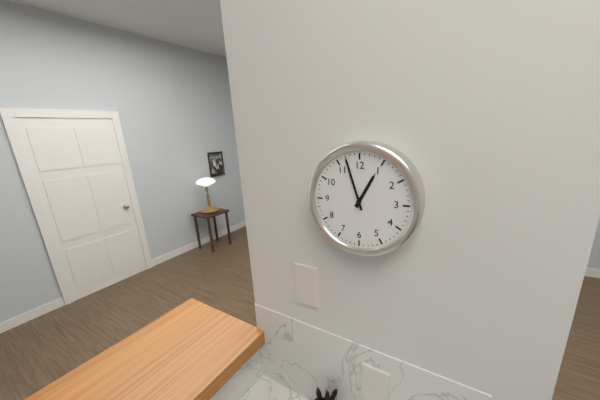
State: 12 h 57 min
